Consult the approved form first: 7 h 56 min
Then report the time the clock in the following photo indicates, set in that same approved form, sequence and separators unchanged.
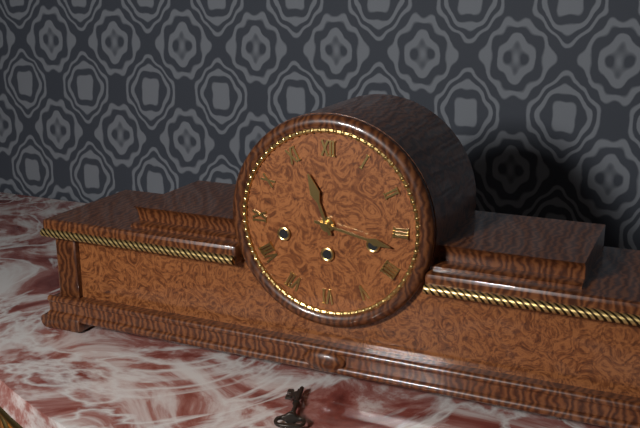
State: 11 h 17 min
